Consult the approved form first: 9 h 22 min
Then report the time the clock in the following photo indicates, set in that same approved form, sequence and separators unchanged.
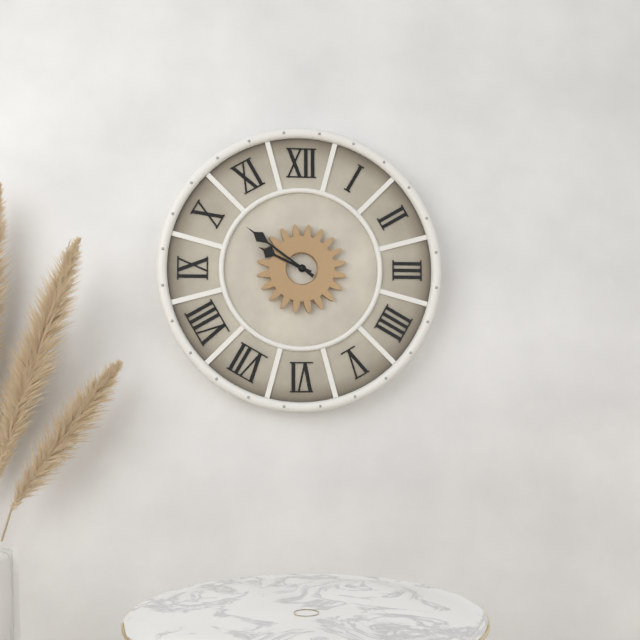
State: 9 h 51 min
